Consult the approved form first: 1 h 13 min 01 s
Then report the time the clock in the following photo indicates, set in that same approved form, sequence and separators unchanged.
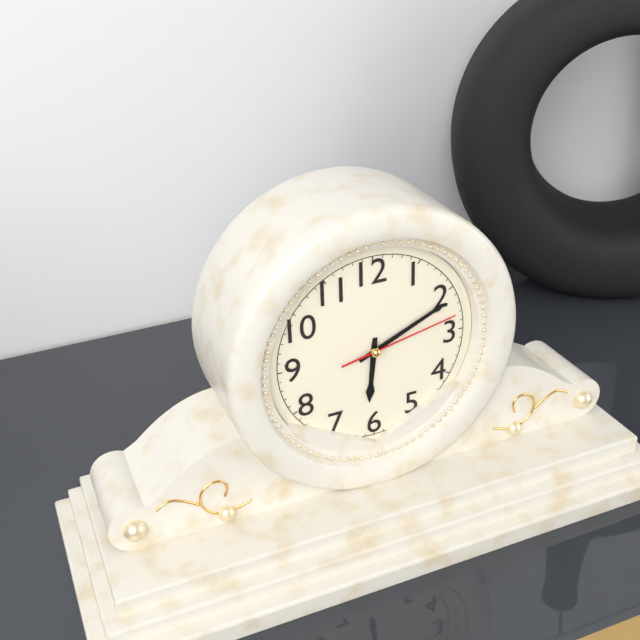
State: 6 h 11 min 13 s
